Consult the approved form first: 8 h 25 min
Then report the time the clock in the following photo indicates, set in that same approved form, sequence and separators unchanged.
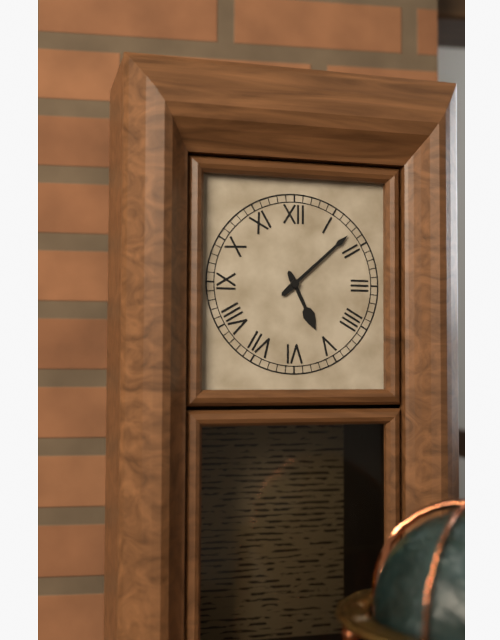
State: 5 h 08 min
